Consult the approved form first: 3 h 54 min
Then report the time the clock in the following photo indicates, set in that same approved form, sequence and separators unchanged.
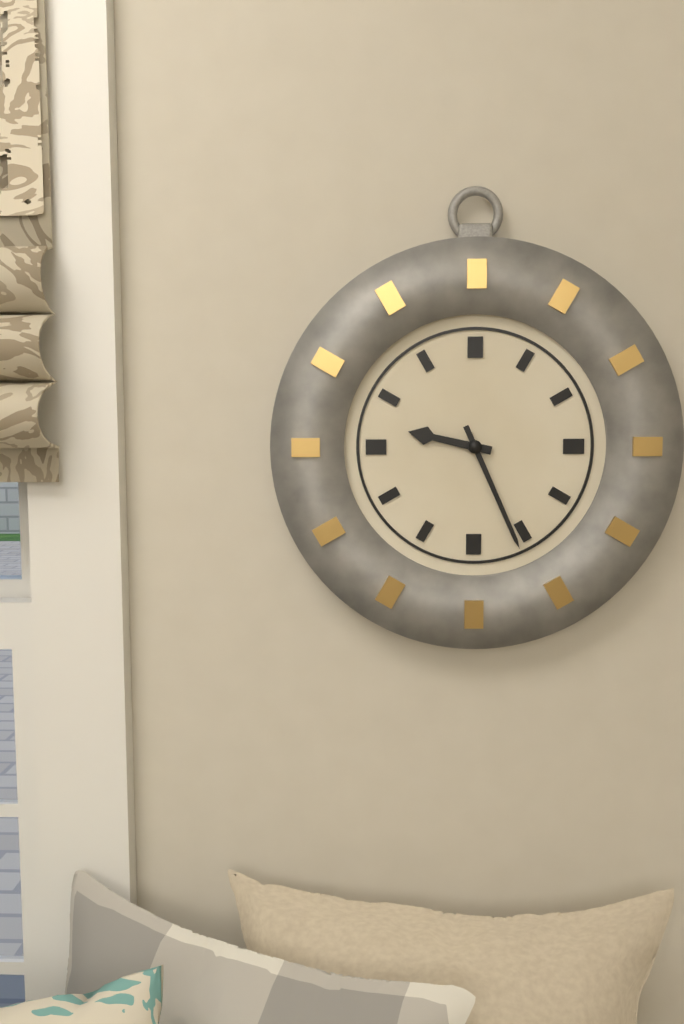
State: 9 h 26 min
